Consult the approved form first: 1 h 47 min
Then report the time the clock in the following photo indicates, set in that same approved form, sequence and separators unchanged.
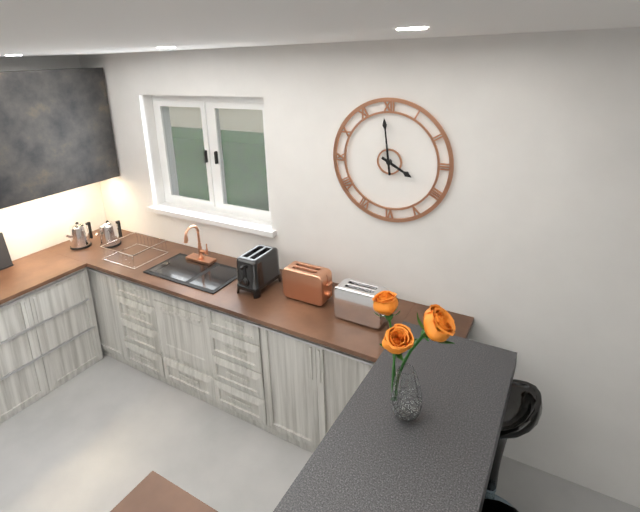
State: 3 h 59 min
